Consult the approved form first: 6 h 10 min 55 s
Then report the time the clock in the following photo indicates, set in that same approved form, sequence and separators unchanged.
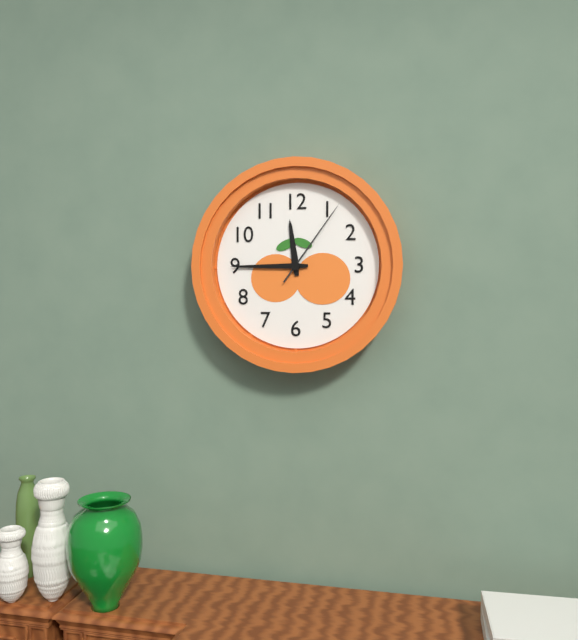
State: 11 h 45 min 06 s
